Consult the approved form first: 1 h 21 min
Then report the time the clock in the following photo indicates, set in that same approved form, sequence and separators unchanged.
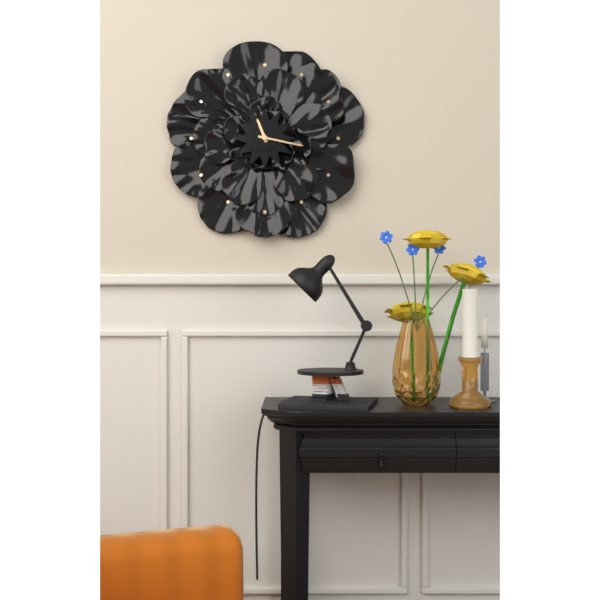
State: 11 h 17 min
